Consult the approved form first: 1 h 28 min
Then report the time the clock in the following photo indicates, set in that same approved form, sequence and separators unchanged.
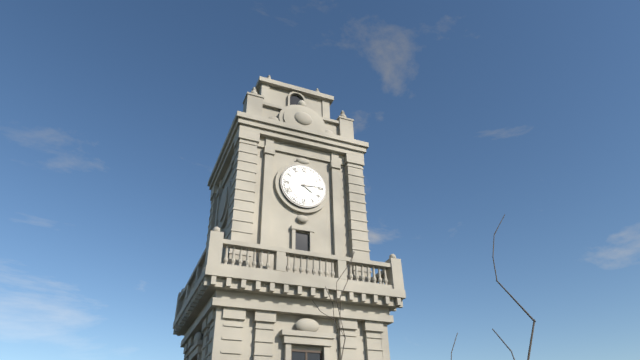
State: 4 h 14 min
